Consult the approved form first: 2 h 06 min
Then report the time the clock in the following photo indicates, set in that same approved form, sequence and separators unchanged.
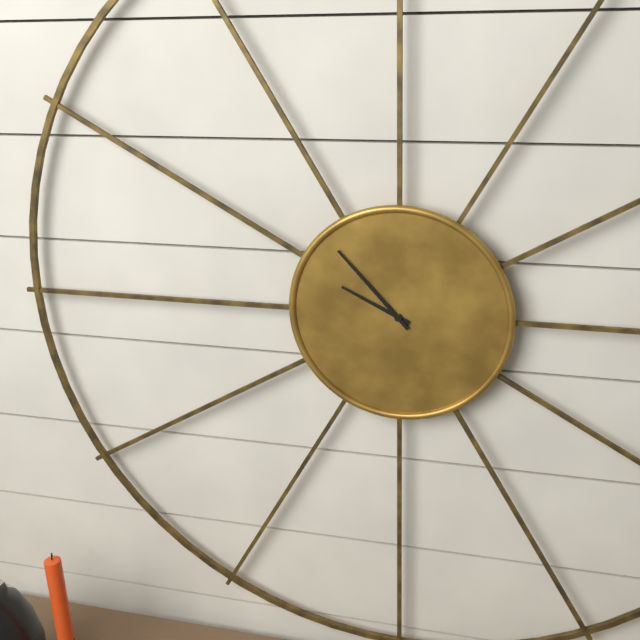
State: 9 h 53 min
